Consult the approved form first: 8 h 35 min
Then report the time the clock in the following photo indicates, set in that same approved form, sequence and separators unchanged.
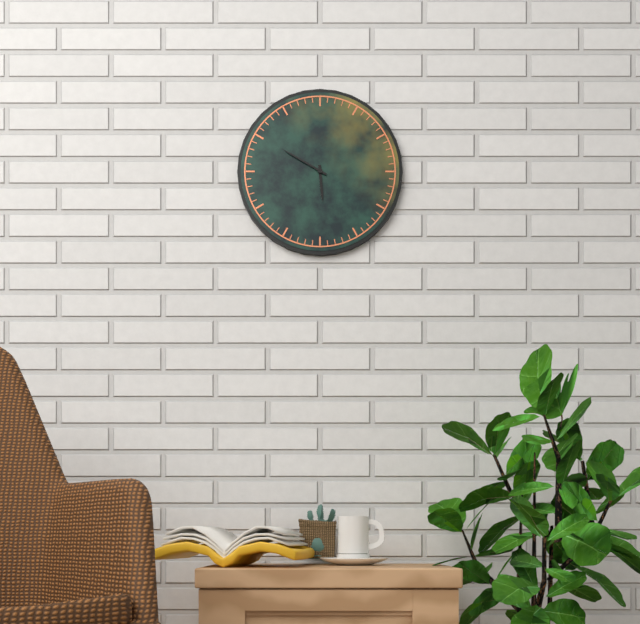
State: 5 h 50 min
